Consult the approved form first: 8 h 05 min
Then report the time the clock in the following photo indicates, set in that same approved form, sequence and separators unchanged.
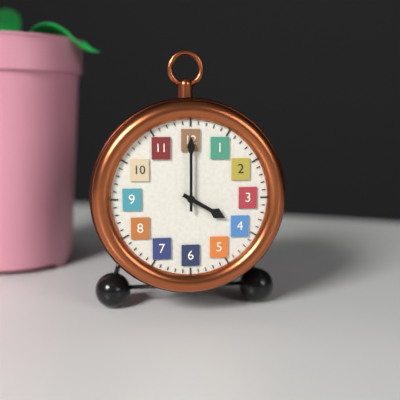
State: 4 h 00 min
